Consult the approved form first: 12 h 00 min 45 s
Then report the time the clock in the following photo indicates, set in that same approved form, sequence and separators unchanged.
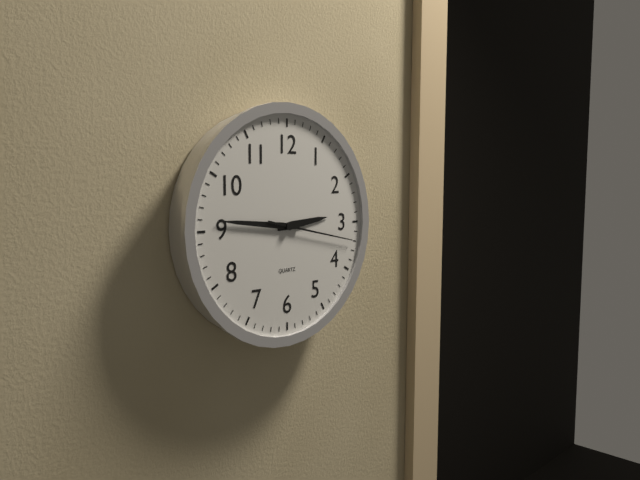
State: 2 h 46 min 17 s
